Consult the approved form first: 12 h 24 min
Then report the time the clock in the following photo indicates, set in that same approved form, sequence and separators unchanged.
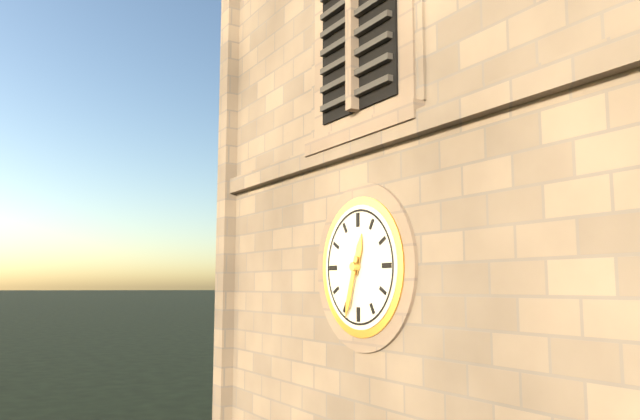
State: 12 h 33 min
